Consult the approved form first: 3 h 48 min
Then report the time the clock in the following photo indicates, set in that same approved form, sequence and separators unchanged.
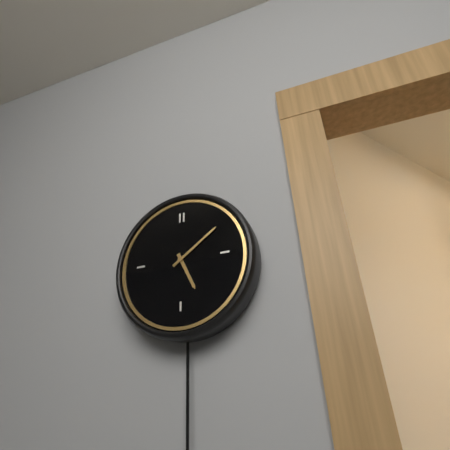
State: 5 h 09 min
